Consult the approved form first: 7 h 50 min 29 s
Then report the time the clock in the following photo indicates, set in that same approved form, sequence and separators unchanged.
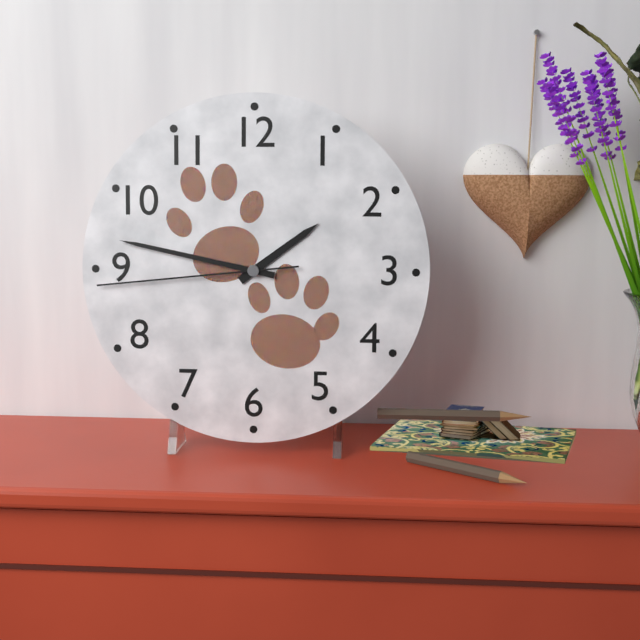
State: 1 h 47 min 44 s
